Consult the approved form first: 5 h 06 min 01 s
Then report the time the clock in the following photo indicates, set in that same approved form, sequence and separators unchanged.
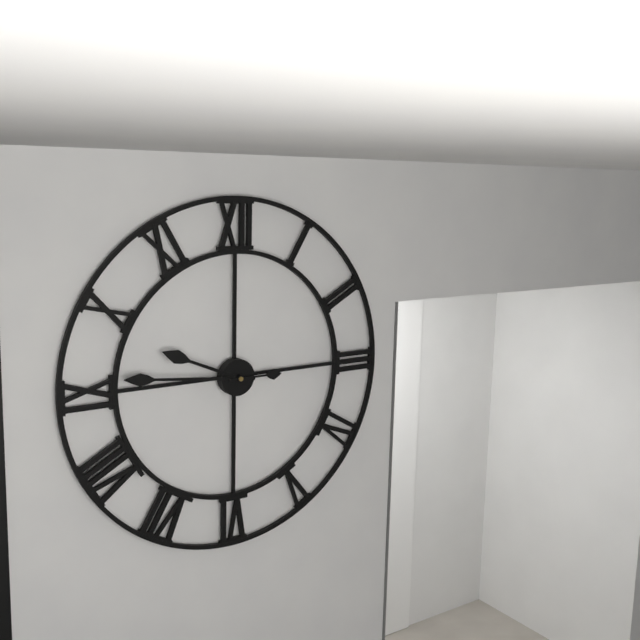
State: 9 h 46 min 15 s
